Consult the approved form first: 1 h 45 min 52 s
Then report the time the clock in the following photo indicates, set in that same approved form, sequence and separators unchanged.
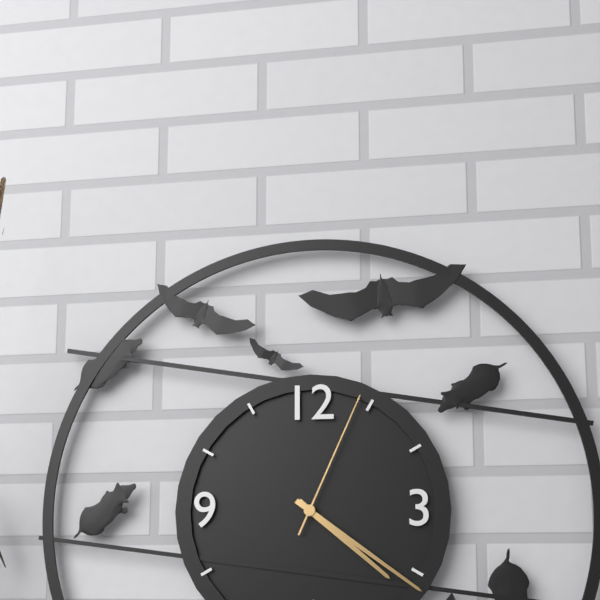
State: 4 h 21 min 04 s
